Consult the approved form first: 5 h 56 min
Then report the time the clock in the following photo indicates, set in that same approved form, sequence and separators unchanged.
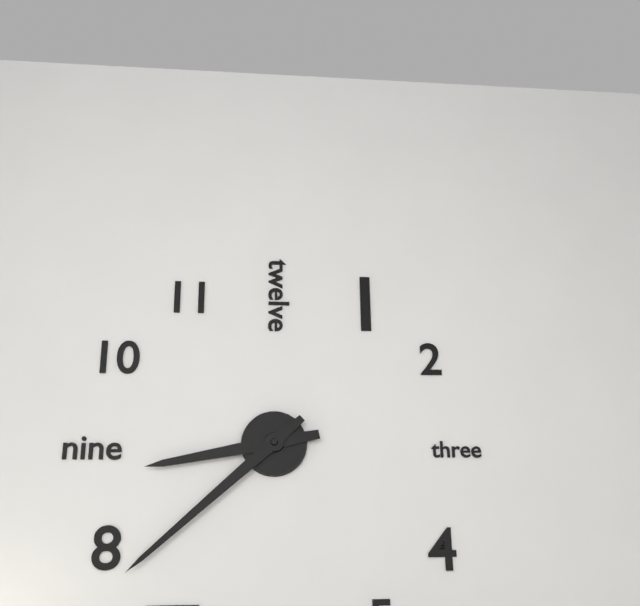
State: 8 h 38 min
